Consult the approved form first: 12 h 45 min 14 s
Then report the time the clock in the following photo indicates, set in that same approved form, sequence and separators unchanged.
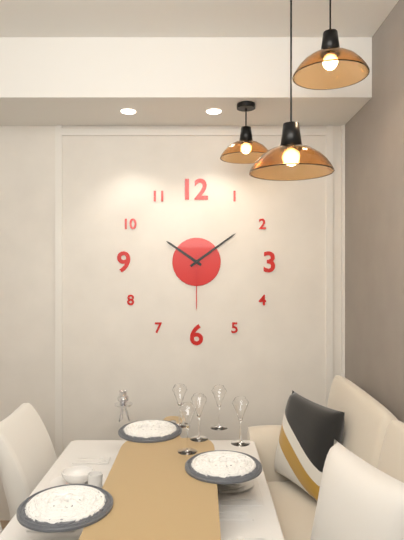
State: 10 h 09 min 30 s
